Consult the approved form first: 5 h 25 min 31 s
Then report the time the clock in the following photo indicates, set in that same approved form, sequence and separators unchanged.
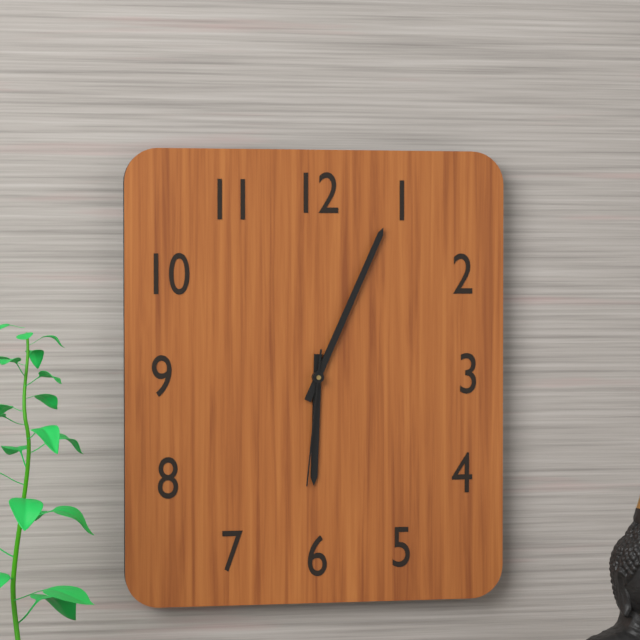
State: 6 h 04 min 31 s
